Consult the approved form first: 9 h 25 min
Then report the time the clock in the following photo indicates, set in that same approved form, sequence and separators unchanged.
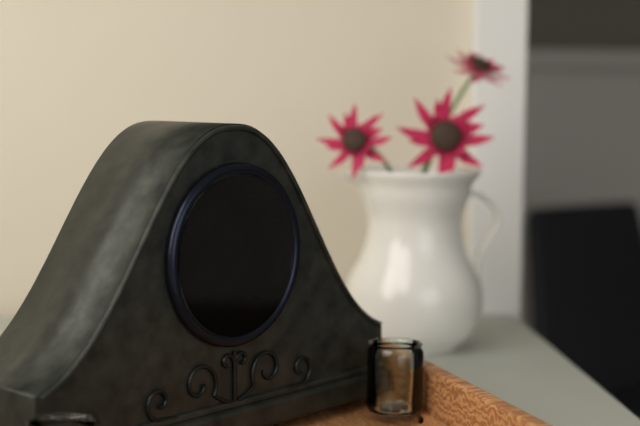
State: 6 h 57 min
